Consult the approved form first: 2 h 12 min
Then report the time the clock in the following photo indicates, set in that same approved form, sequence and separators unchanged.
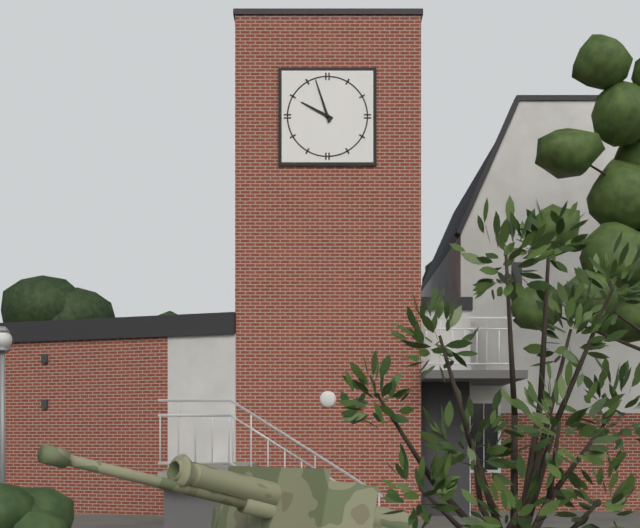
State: 9 h 57 min
